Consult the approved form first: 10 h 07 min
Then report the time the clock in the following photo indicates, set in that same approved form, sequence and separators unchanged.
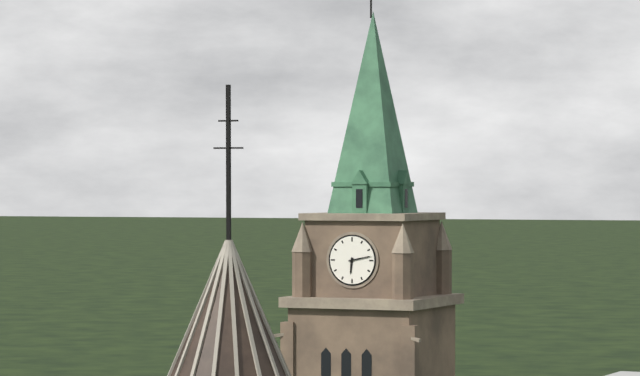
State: 6 h 13 min
